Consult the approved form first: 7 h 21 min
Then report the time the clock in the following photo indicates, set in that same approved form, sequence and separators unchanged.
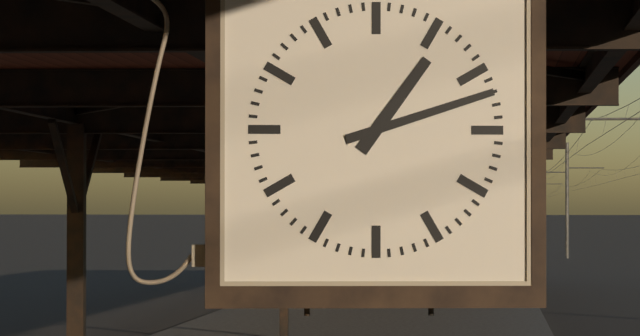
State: 1 h 12 min
